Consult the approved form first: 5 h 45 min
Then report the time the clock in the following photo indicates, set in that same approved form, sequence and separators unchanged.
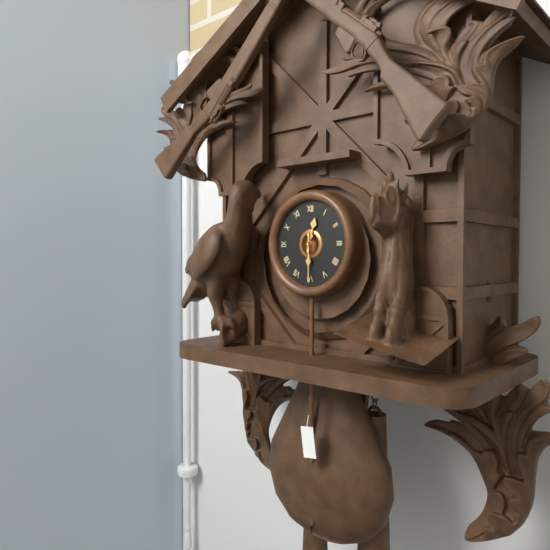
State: 12 h 30 min
